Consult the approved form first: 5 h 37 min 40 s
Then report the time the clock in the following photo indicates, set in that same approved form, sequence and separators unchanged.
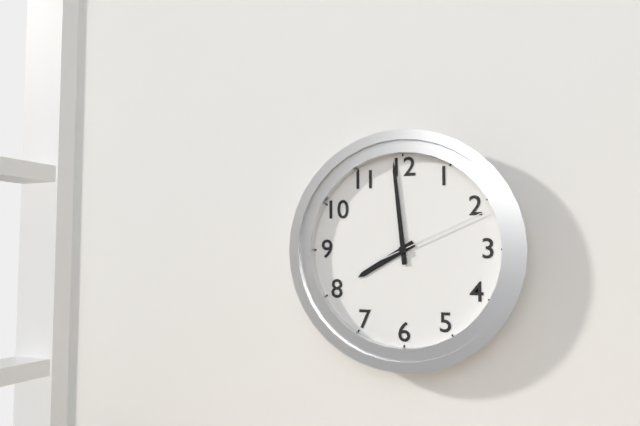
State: 7 h 59 min 11 s
